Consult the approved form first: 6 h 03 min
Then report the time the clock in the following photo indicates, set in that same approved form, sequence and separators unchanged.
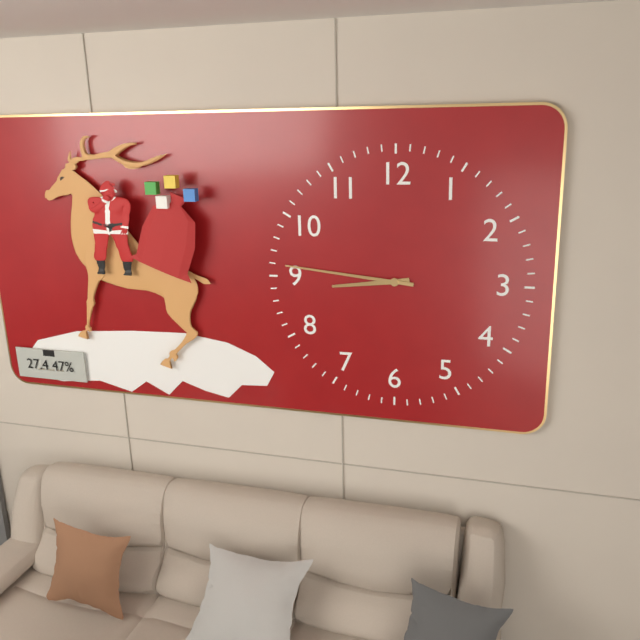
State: 8 h 46 min
